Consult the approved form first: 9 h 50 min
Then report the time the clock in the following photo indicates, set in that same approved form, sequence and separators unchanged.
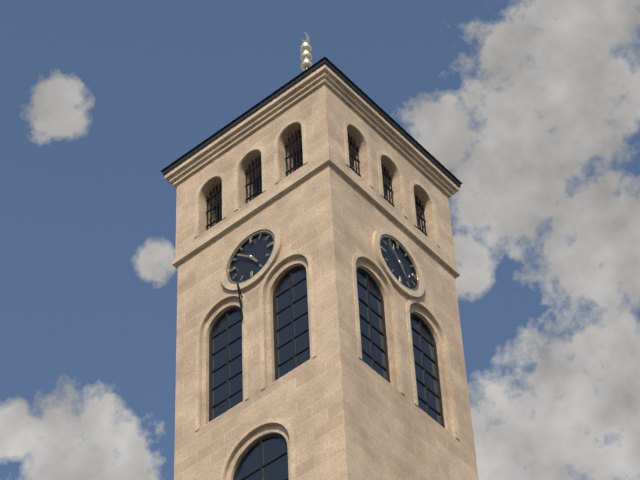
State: 4 h 52 min
